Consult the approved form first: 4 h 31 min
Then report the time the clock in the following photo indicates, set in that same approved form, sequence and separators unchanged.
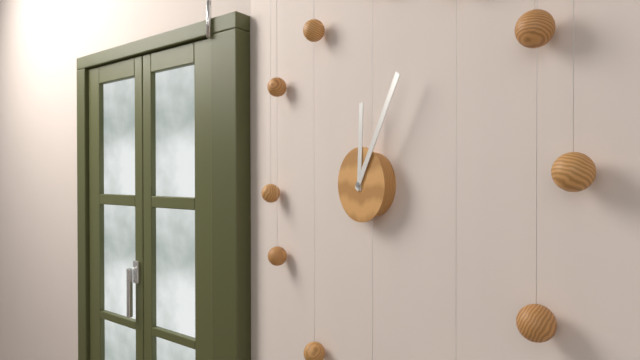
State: 12 h 05 min
